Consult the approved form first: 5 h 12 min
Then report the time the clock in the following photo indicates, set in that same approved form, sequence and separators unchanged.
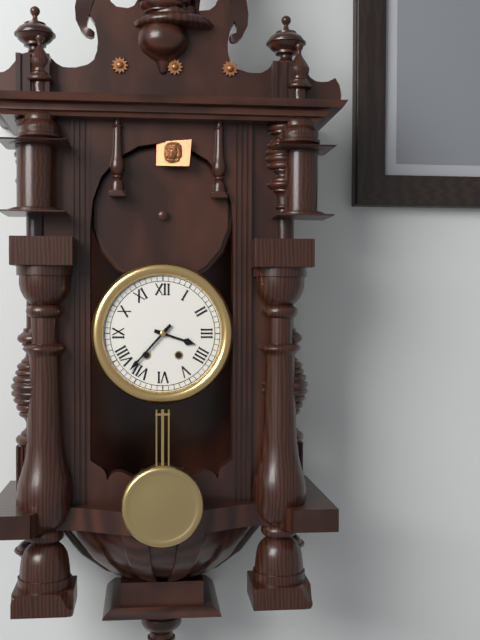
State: 3 h 37 min
